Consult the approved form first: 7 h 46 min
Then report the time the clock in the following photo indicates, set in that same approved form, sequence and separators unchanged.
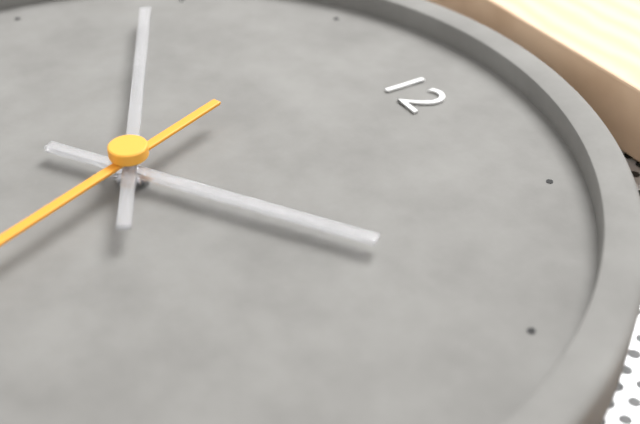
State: 1 h 49 min
